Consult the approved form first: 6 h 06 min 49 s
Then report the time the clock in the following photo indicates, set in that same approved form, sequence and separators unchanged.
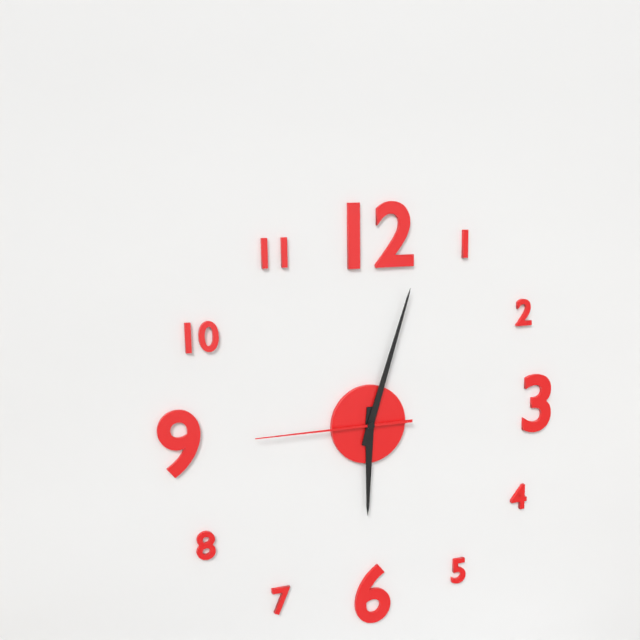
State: 6 h 03 min 45 s
